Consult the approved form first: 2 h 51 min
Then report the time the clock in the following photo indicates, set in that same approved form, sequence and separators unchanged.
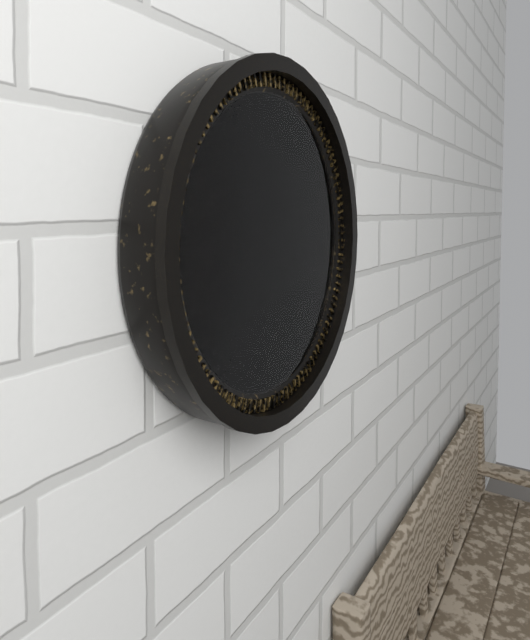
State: 9 h 14 min
